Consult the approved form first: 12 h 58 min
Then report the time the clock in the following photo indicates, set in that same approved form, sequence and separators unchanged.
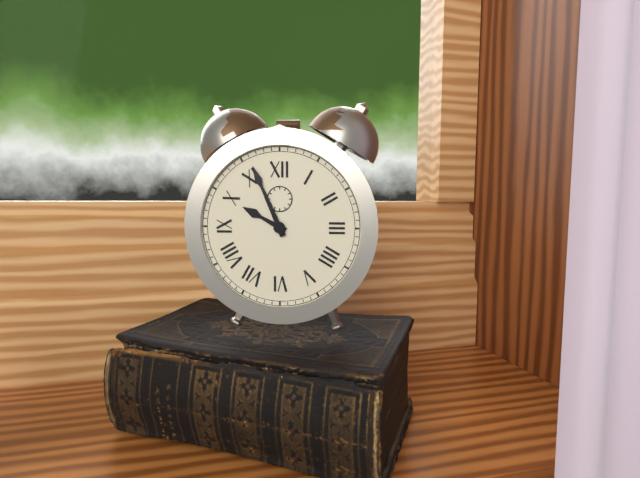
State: 9 h 56 min
